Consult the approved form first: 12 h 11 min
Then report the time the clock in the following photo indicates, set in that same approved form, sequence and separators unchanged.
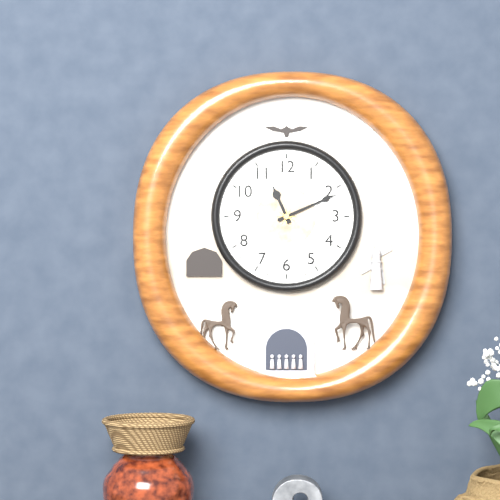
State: 11 h 11 min
